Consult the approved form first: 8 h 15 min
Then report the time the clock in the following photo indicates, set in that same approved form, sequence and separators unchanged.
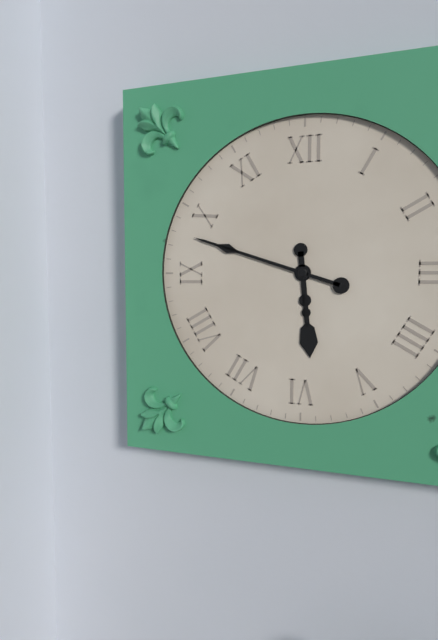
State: 5 h 48 min
